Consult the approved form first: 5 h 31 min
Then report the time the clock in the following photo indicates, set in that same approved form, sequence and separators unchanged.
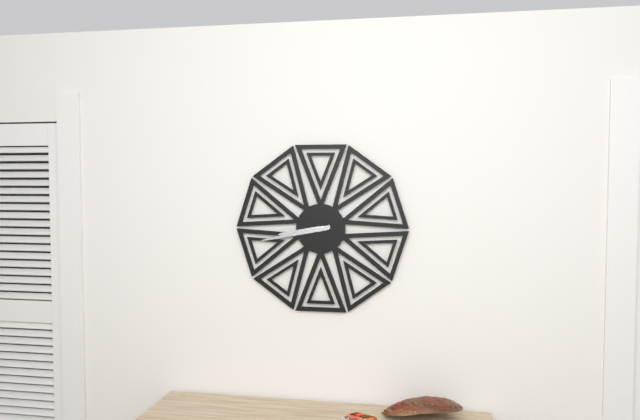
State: 8 h 43 min
